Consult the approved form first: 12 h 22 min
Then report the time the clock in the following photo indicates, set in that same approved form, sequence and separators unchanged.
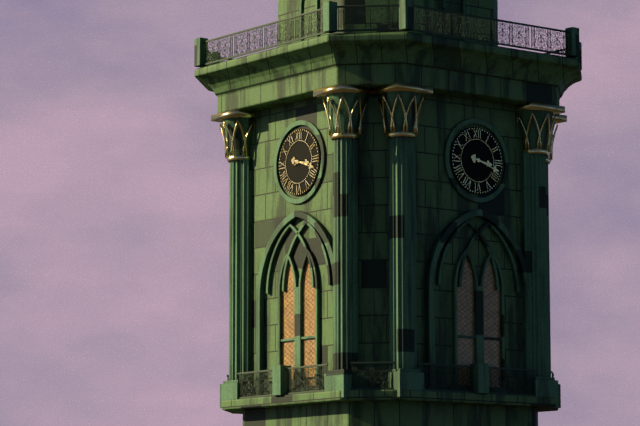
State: 3 h 18 min
